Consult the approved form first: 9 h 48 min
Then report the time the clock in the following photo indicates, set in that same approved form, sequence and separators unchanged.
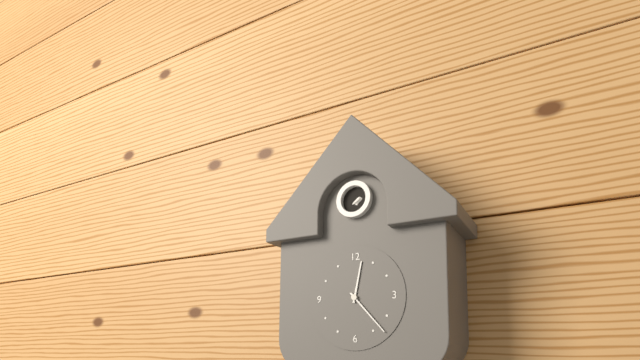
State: 12 h 23 min
